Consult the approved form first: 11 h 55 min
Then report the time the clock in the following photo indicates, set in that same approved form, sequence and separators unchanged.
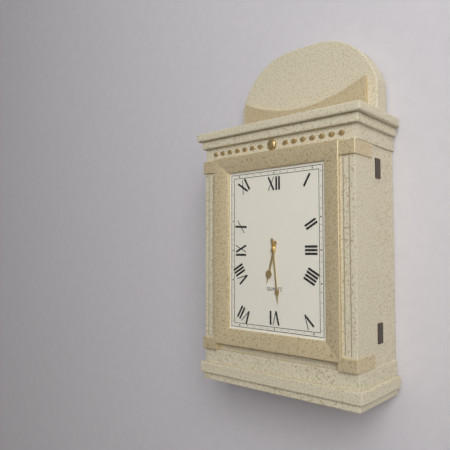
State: 6 h 29 min
